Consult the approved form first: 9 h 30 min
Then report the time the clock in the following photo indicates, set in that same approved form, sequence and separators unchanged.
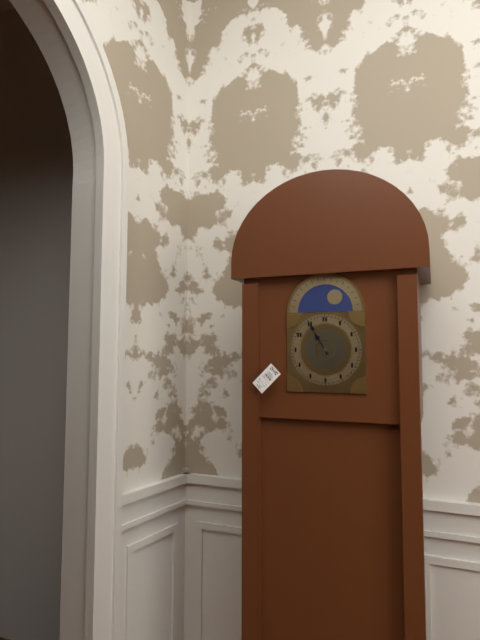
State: 10 h 55 min
